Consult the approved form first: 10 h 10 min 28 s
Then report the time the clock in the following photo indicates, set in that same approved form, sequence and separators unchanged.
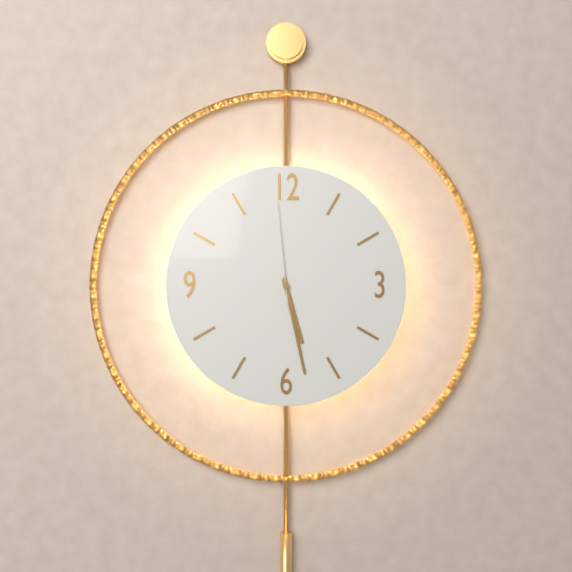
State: 5 h 28 min 59 s
